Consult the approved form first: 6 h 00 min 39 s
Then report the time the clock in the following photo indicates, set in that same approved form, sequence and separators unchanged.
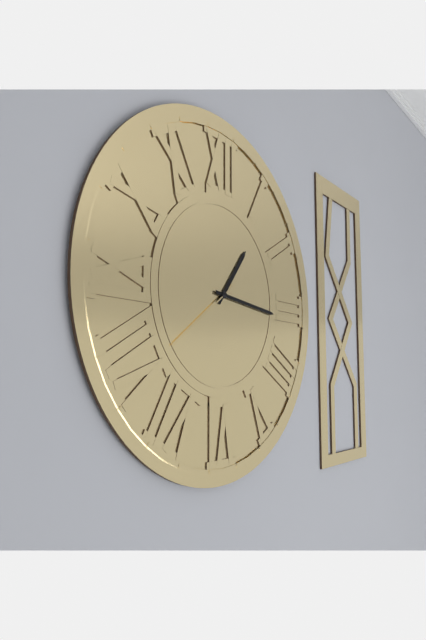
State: 1 h 16 min 39 s
